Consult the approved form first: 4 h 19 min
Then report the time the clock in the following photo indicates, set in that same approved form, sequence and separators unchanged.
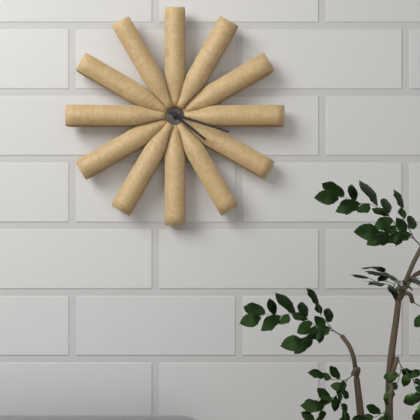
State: 4 h 18 min
